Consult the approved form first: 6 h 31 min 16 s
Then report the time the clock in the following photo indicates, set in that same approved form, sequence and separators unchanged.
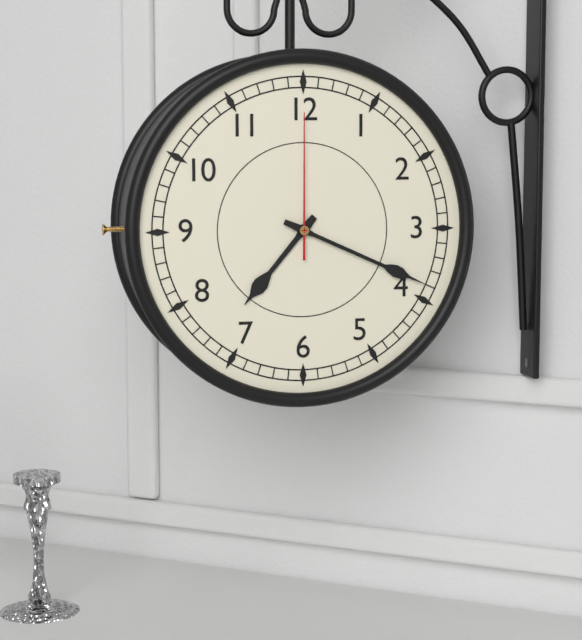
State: 7 h 19 min 00 s
